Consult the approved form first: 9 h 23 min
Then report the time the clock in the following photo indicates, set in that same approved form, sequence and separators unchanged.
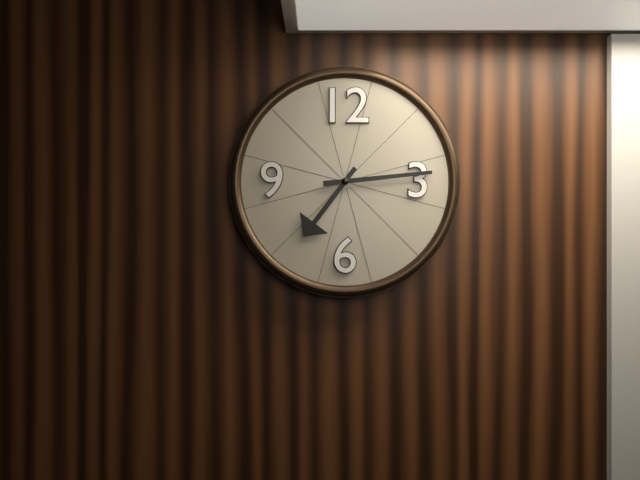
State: 7 h 14 min
